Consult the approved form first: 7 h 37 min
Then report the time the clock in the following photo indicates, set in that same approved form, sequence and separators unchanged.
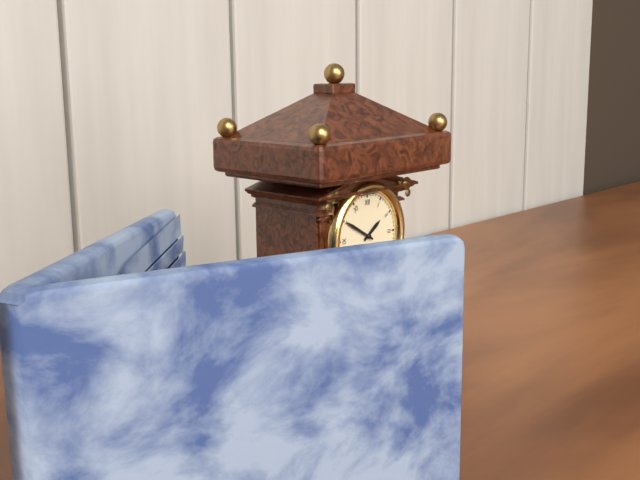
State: 1 h 50 min
